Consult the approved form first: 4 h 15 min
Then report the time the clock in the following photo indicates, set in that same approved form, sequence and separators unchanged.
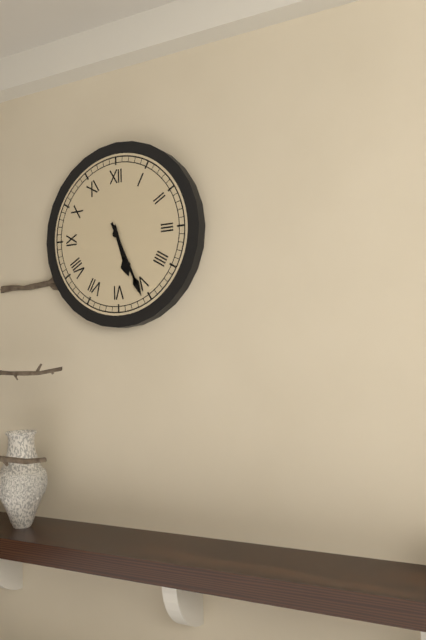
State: 5 h 26 min
